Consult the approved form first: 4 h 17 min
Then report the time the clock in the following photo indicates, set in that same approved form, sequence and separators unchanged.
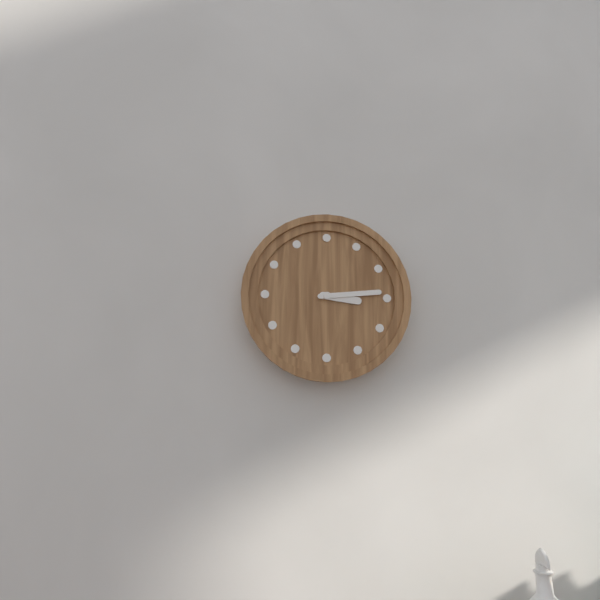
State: 3 h 14 min
